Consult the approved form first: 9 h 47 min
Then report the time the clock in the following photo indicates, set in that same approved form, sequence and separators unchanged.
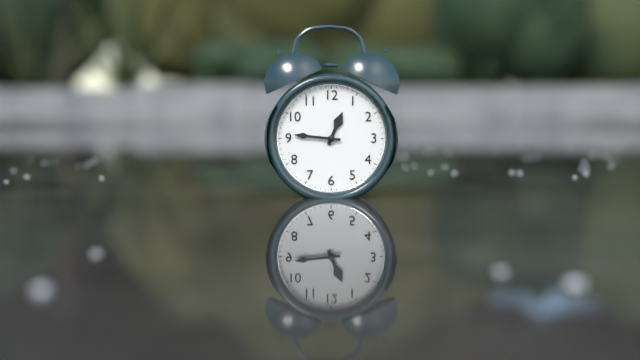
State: 12 h 46 min
